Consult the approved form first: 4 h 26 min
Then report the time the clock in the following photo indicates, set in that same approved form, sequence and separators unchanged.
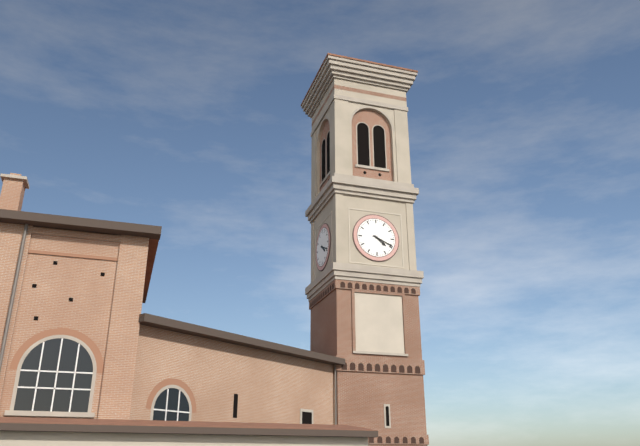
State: 4 h 19 min
